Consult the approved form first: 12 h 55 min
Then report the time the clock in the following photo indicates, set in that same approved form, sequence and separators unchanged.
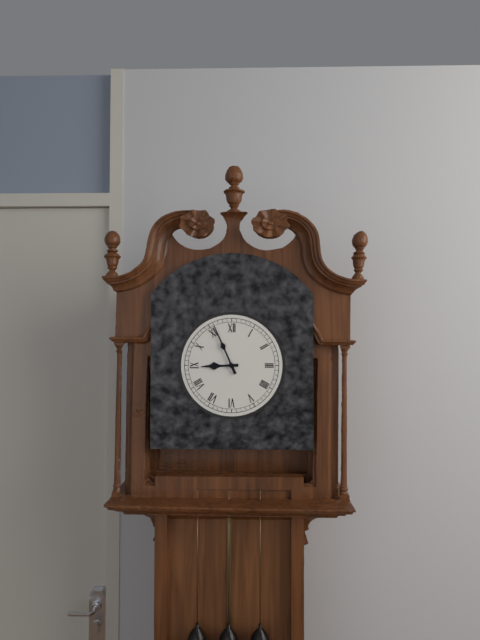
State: 8 h 56 min
